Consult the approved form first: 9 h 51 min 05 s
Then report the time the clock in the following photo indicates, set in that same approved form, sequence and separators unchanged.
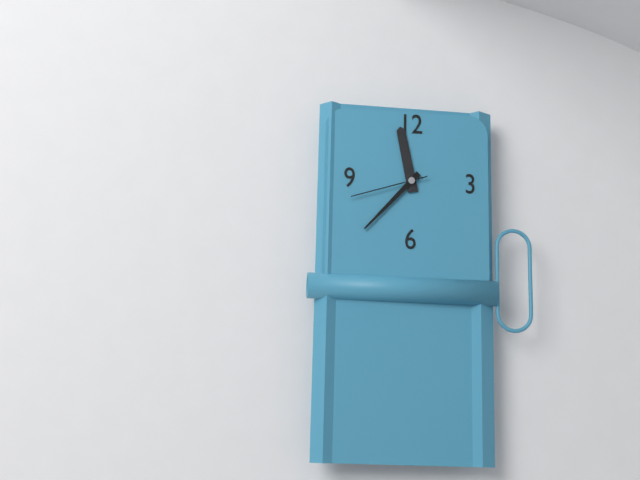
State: 11 h 37 min 42 s
